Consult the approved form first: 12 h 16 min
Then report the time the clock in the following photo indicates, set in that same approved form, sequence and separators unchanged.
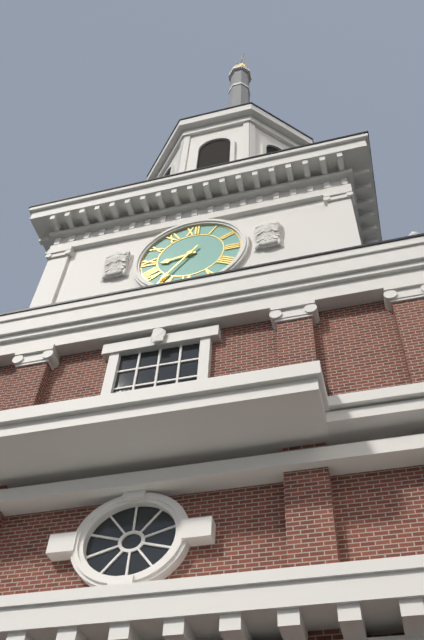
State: 8 h 36 min
